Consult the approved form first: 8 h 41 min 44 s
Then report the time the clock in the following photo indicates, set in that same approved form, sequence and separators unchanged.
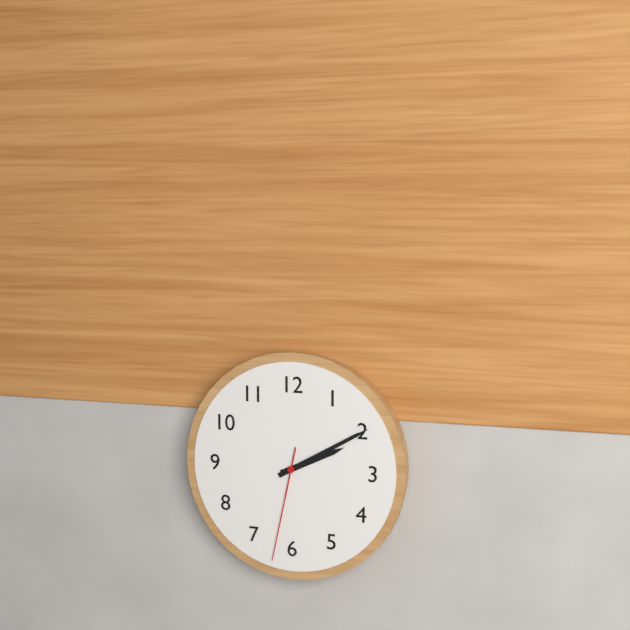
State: 2 h 10 min 32 s
